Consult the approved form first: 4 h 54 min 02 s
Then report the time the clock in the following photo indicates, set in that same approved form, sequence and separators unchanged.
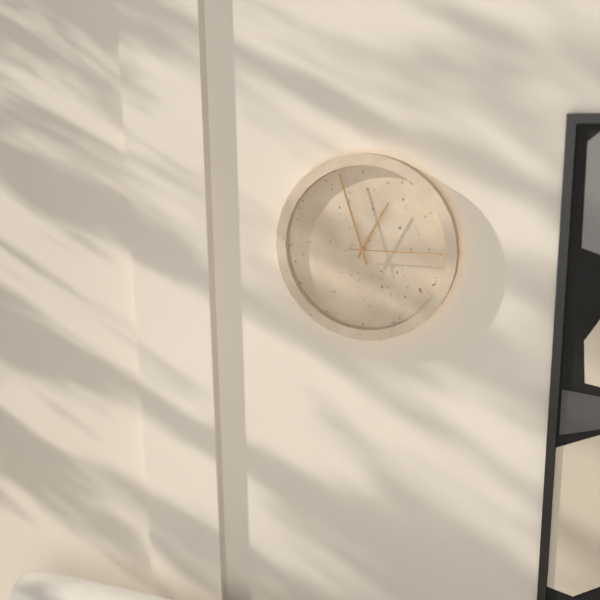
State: 12 h 57 min 15 s
